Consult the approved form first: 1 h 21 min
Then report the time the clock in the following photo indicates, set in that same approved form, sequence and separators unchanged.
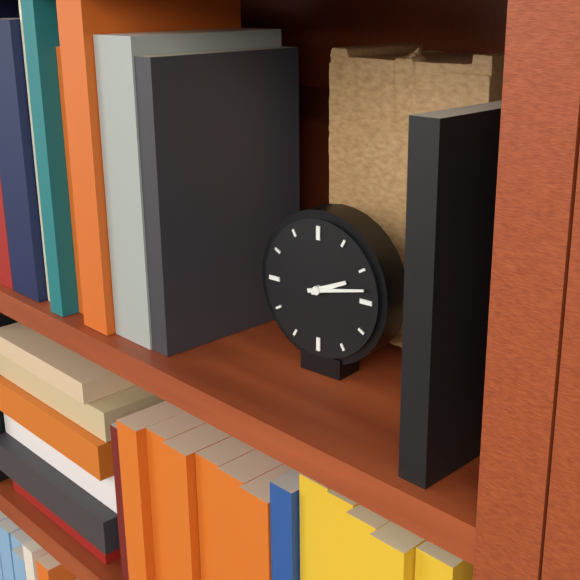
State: 2 h 13 min
